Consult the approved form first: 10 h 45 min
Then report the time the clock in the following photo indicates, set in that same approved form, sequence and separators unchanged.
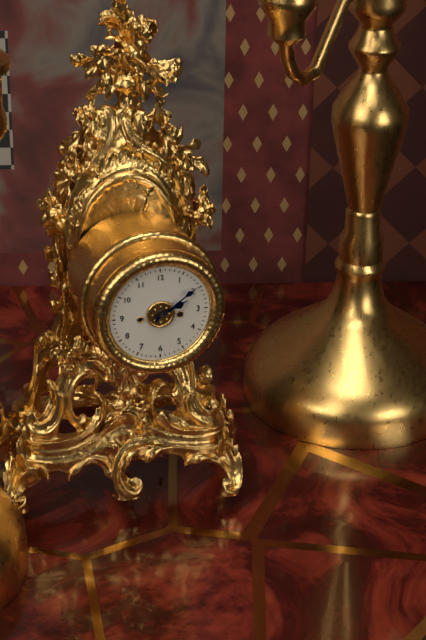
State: 2 h 09 min
